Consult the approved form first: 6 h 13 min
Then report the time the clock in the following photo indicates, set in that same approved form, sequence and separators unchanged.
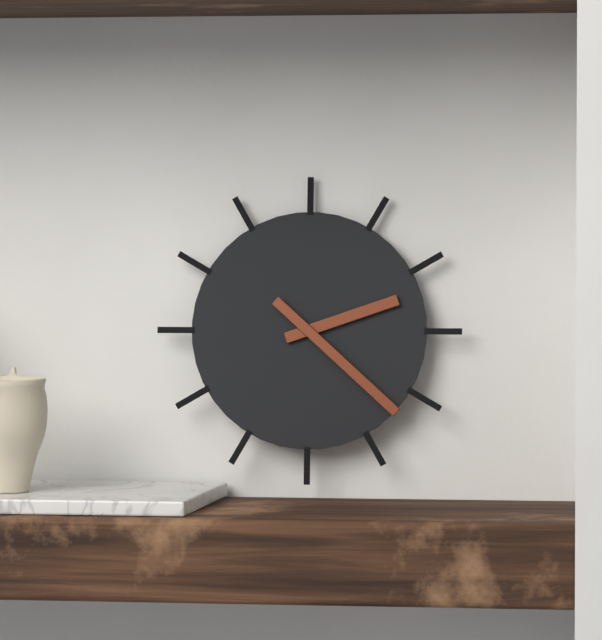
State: 2 h 22 min
